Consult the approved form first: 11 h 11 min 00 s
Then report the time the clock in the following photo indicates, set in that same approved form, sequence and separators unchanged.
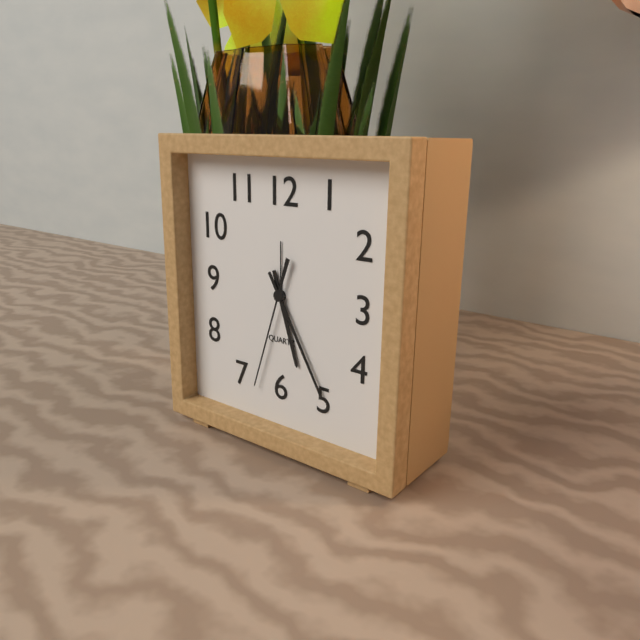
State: 5 h 25 min 33 s
